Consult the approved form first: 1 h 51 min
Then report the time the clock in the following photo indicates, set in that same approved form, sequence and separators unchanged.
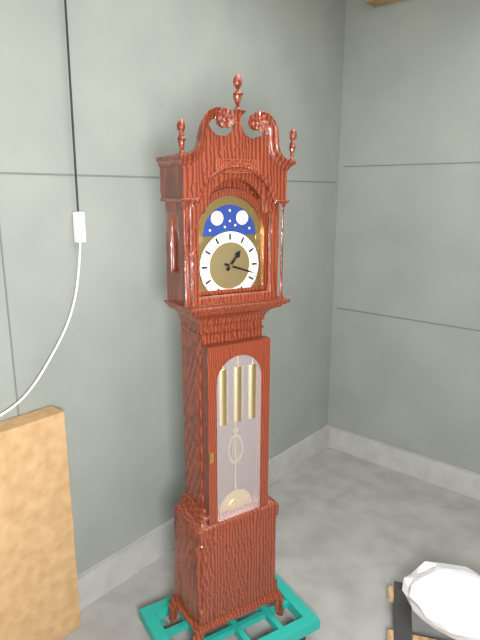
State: 1 h 18 min
